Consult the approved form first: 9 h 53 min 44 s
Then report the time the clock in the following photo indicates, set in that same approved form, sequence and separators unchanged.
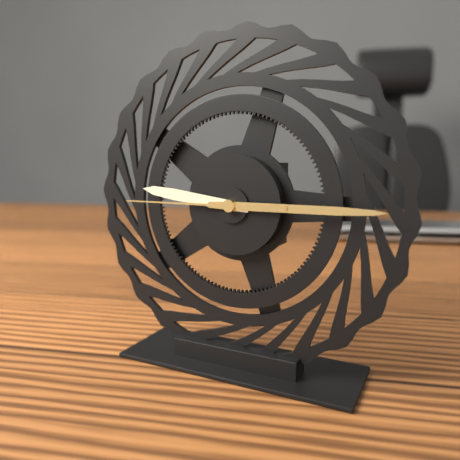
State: 9 h 15 min 45 s
